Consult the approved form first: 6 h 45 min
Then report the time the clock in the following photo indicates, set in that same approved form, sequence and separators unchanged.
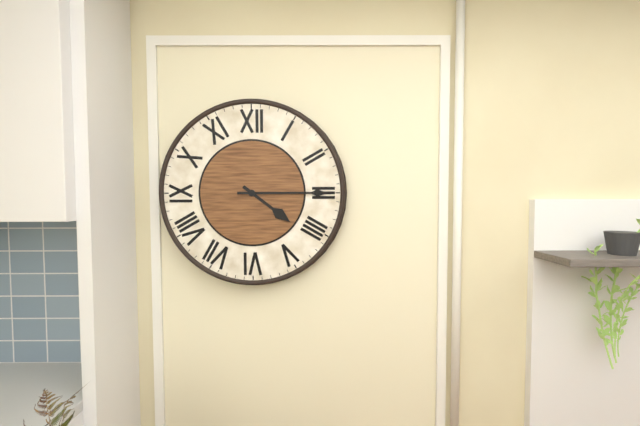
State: 4 h 15 min
